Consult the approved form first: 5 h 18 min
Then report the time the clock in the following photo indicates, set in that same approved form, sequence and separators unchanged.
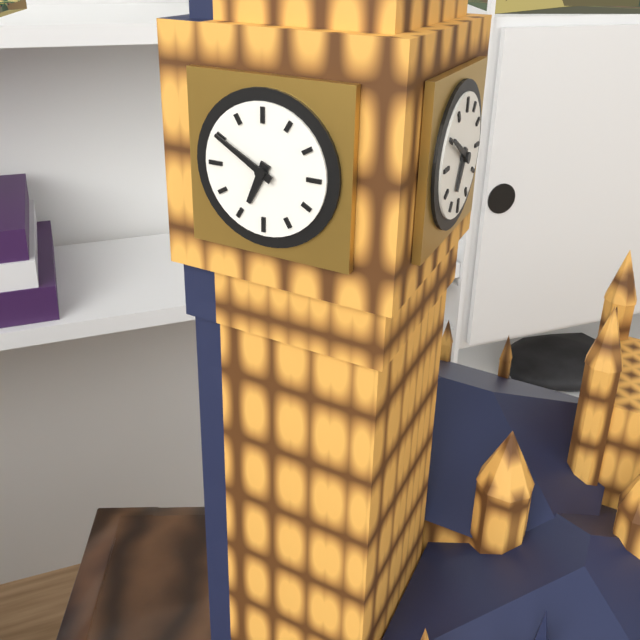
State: 6 h 50 min
